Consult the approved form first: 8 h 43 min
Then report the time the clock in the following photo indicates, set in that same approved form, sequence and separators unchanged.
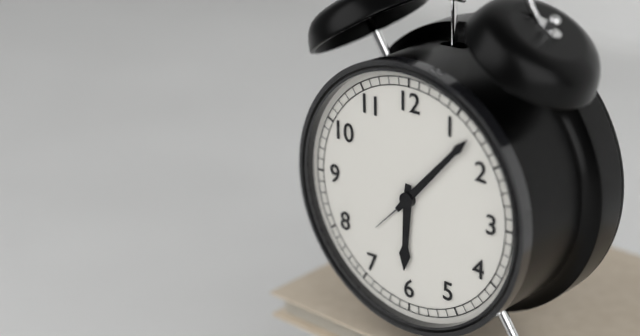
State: 6 h 07 min
